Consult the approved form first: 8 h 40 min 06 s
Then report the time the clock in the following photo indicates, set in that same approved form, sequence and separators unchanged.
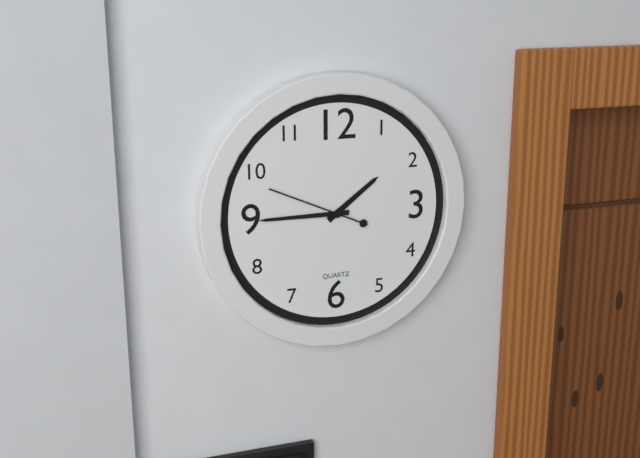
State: 1 h 45 min 49 s
